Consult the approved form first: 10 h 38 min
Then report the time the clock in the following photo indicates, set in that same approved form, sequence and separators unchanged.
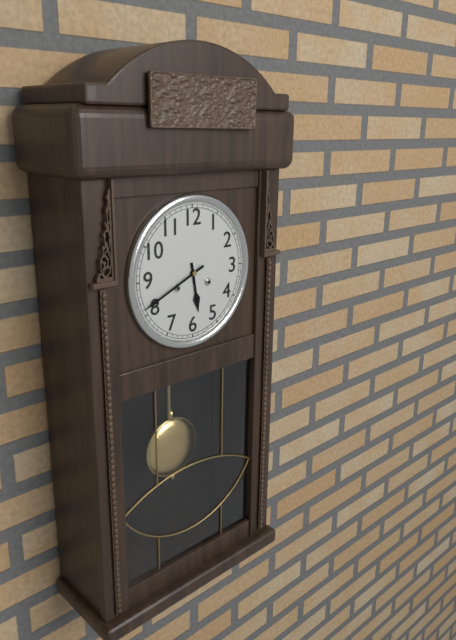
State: 5 h 41 min
